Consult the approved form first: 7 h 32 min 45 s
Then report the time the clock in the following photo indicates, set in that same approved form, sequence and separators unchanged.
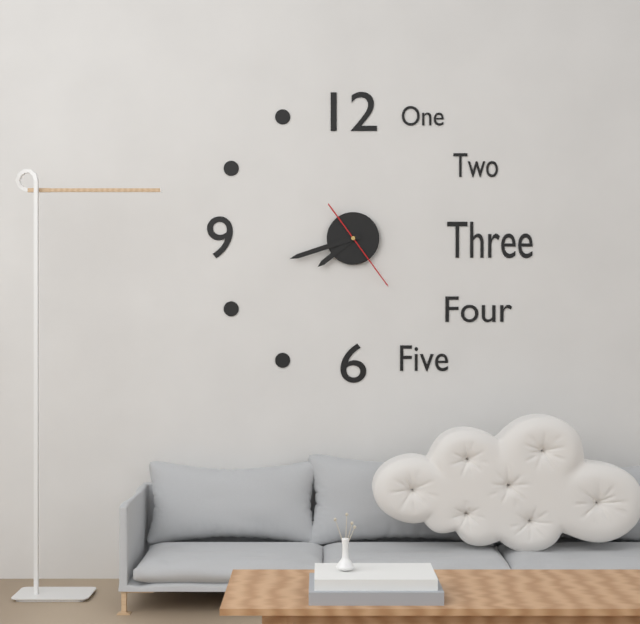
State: 7 h 42 min 24 s
